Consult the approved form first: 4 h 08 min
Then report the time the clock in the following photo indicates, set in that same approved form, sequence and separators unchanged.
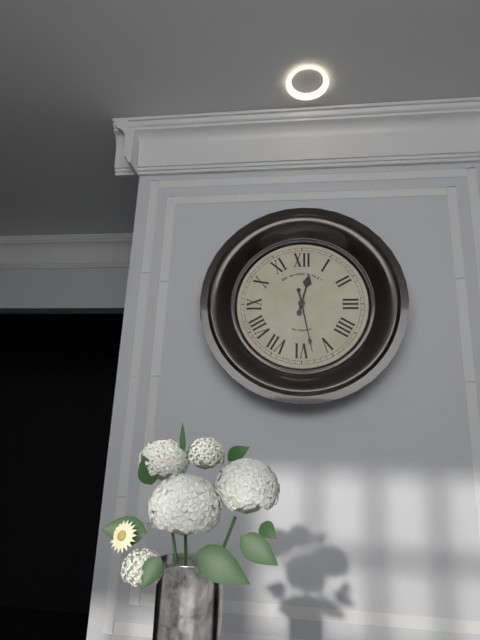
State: 12 h 28 min
